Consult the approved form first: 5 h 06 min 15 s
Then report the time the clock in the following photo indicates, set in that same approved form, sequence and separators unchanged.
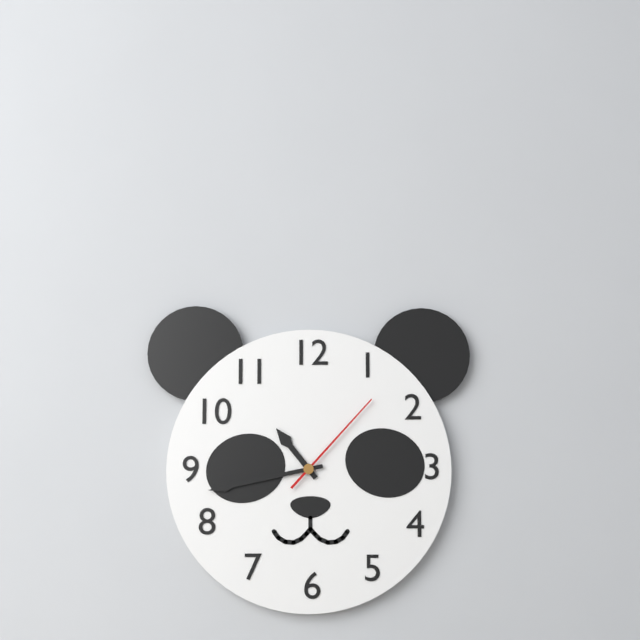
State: 10 h 43 min 07 s
